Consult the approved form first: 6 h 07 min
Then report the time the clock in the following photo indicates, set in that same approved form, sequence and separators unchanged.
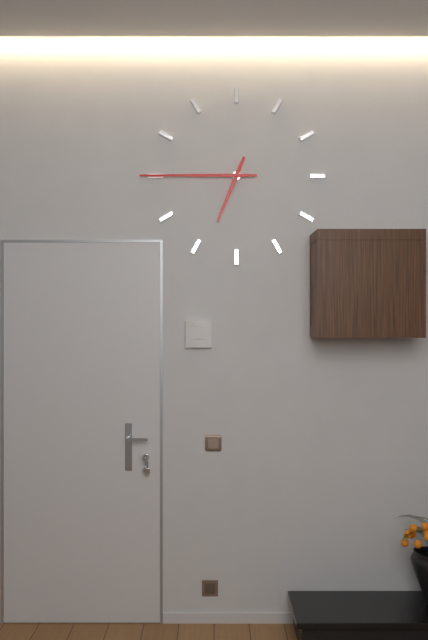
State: 6 h 45 min
